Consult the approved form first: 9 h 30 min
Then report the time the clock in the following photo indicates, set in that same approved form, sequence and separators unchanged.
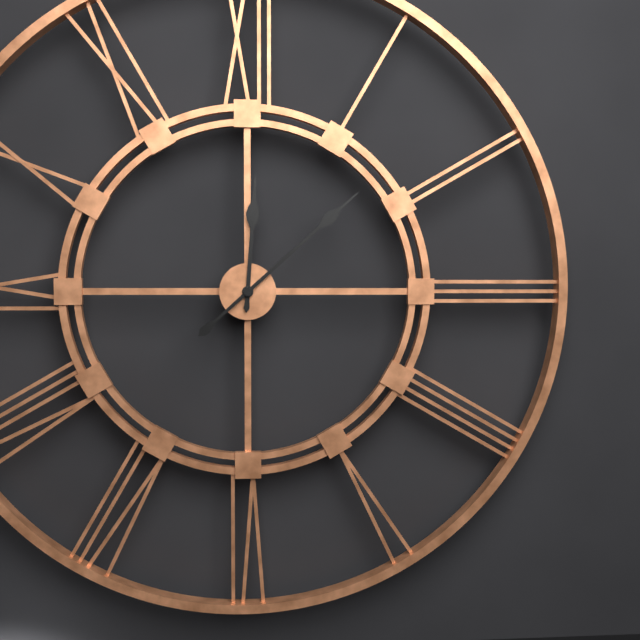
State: 12 h 08 min
